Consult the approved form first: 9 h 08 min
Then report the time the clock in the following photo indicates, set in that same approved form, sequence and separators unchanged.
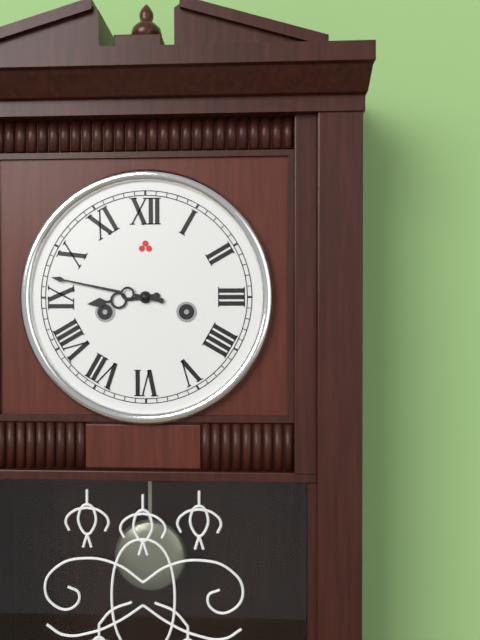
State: 8 h 47 min
